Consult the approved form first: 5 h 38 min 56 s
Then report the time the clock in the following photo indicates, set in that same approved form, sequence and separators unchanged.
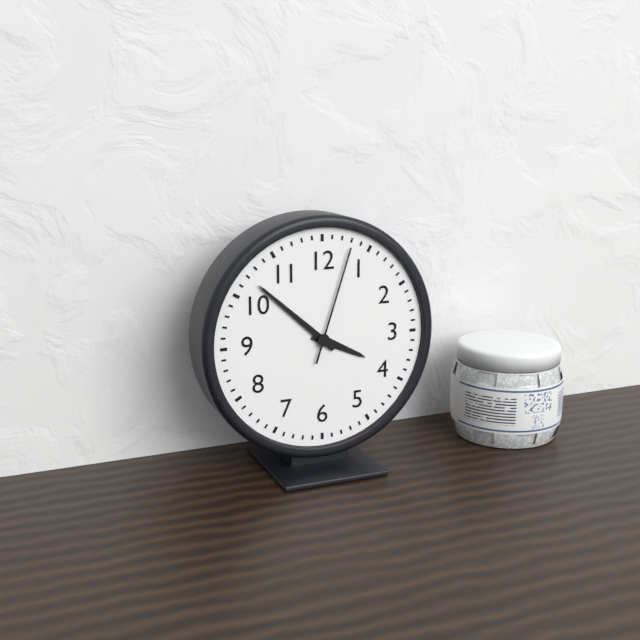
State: 3 h 52 min 03 s
